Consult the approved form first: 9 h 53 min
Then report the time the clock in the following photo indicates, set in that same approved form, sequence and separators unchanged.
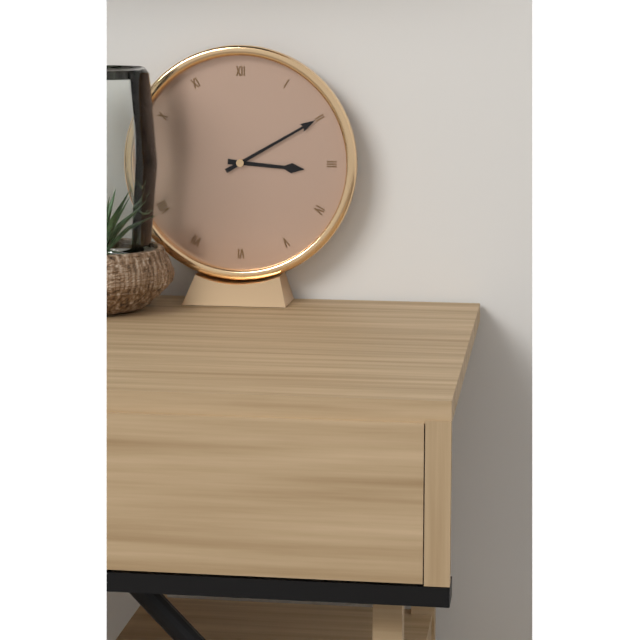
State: 3 h 10 min
